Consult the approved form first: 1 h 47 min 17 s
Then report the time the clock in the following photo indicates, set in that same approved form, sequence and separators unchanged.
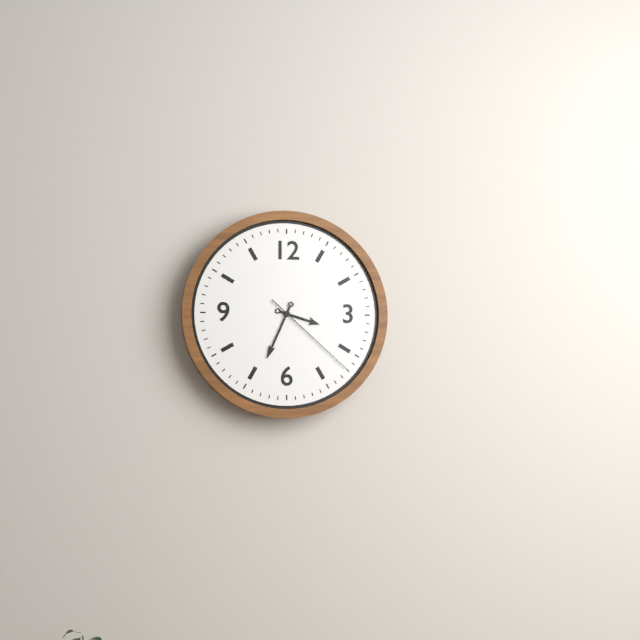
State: 3 h 34 min 22 s
